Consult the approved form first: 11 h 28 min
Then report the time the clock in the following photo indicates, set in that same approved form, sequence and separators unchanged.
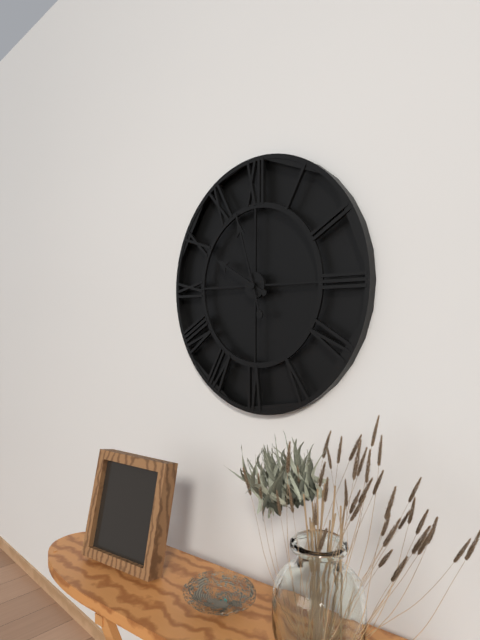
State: 9 h 57 min
